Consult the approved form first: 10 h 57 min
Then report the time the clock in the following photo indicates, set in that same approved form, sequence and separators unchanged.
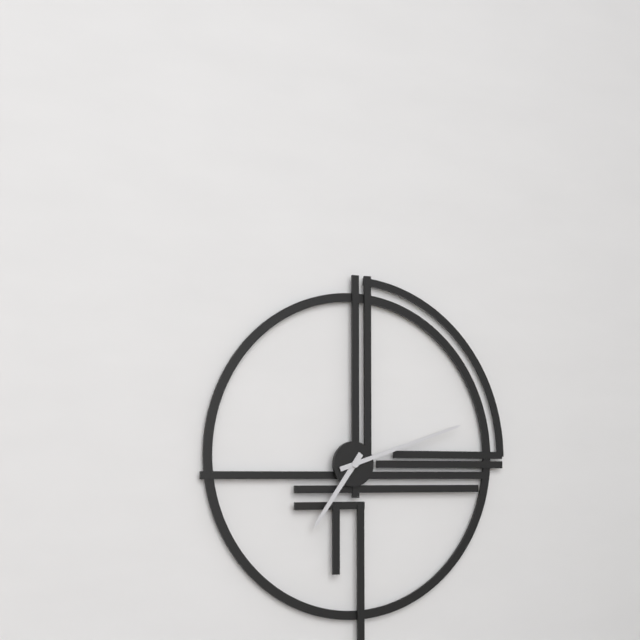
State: 7 h 12 min
